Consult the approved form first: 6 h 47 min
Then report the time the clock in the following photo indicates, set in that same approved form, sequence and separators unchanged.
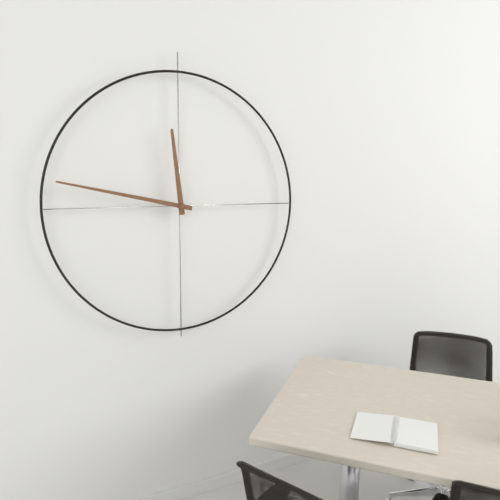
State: 11 h 47 min
